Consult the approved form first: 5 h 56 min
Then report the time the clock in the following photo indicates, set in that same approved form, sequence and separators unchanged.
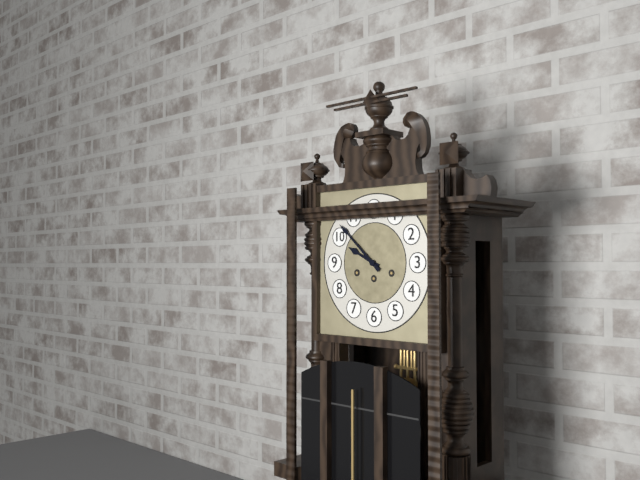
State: 9 h 52 min
